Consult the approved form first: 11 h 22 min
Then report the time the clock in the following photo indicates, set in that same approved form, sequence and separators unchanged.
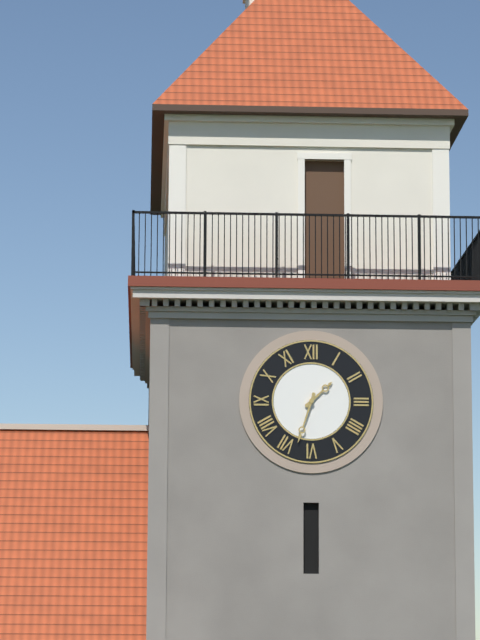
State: 1 h 33 min
